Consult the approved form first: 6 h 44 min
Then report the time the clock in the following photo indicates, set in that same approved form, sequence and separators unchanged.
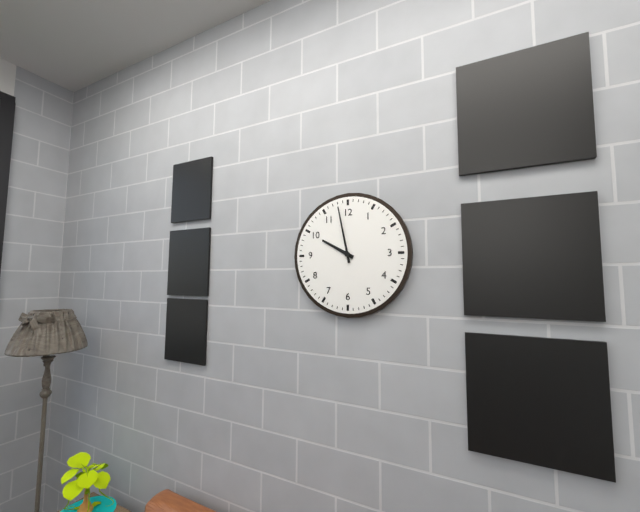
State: 9 h 58 min
